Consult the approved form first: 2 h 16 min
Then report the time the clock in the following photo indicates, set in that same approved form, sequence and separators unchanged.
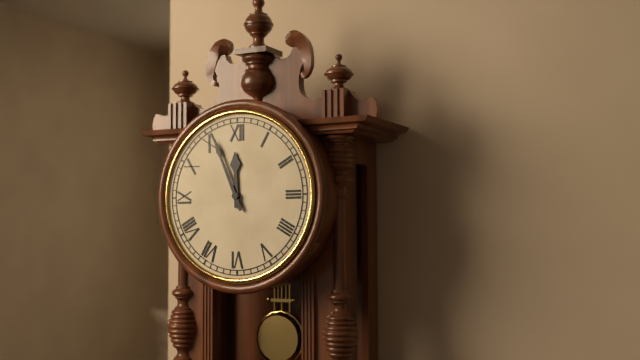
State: 11 h 56 min
